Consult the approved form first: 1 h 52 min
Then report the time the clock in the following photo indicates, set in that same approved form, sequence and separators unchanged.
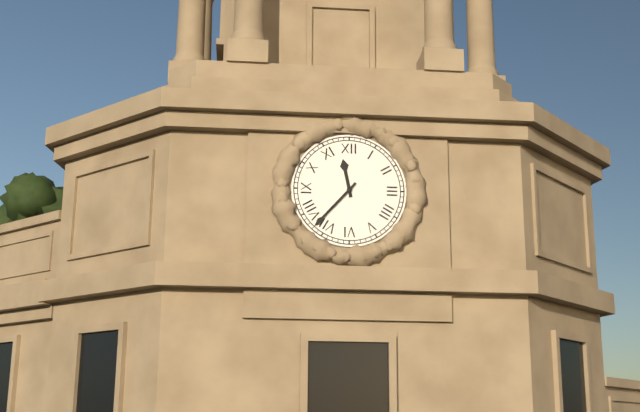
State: 11 h 37 min
